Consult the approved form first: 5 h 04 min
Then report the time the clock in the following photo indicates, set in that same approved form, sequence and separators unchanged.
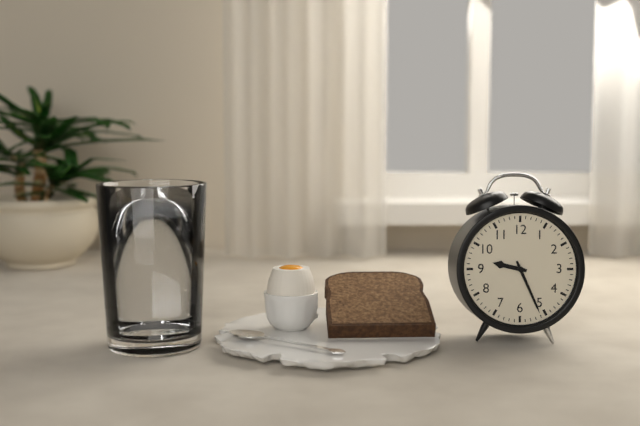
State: 9 h 26 min
